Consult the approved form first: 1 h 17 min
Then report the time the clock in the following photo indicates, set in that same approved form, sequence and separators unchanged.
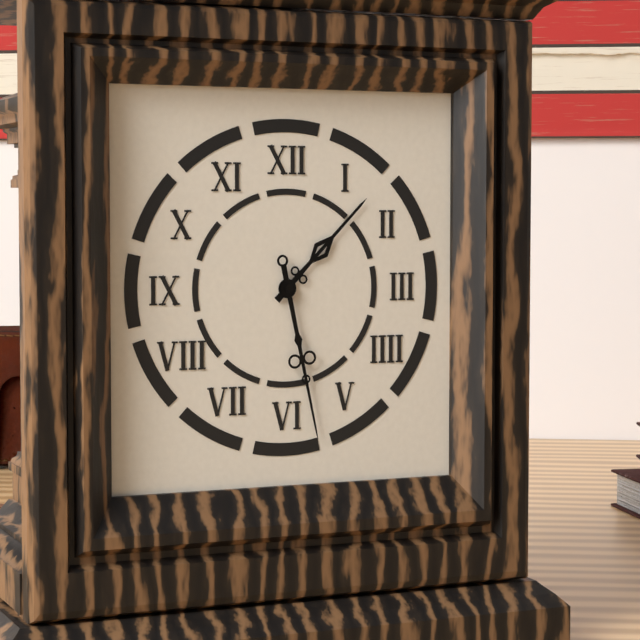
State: 1 h 28 min
